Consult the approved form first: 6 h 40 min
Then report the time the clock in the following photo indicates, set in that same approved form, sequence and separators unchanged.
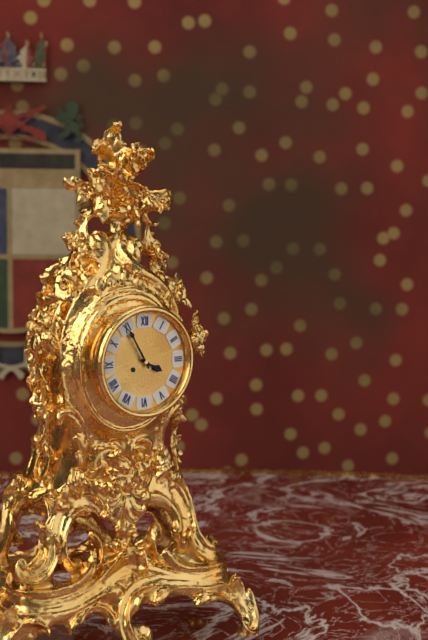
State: 3 h 55 min
